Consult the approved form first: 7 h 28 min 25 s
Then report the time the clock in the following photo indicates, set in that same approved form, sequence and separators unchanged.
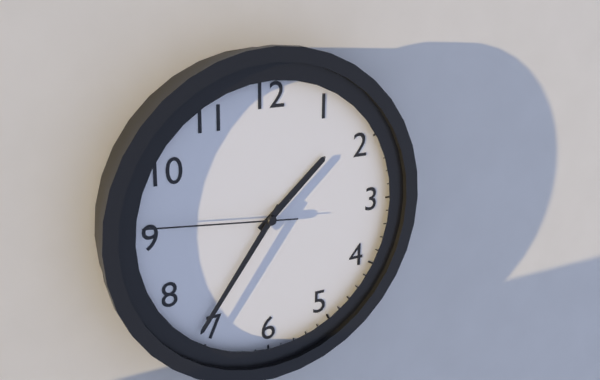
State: 1 h 36 min 46 s
